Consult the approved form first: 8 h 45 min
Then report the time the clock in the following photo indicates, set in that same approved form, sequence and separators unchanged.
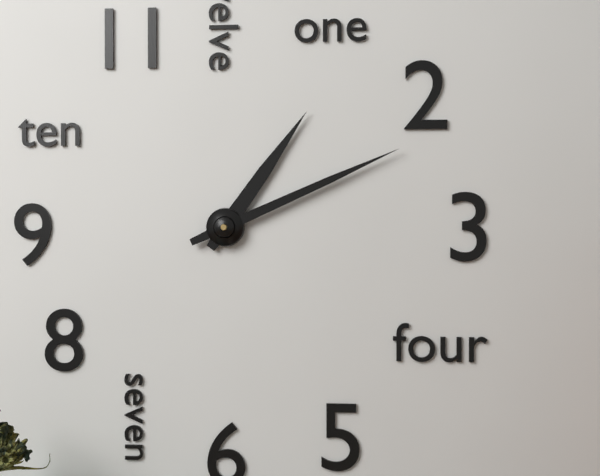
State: 1 h 11 min
